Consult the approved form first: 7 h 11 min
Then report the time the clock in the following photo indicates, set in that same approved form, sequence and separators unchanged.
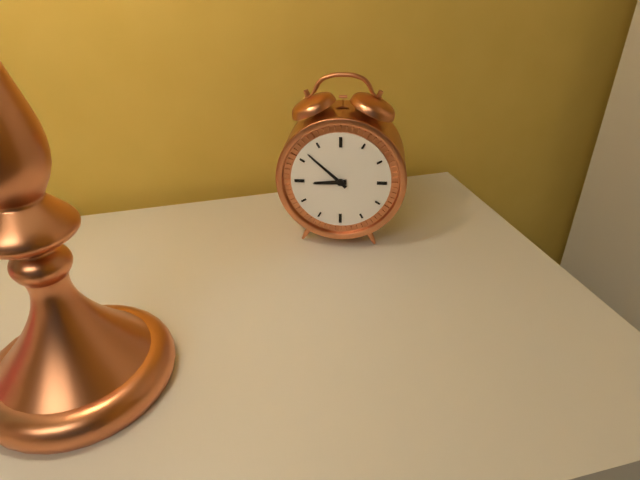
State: 8 h 52 min
